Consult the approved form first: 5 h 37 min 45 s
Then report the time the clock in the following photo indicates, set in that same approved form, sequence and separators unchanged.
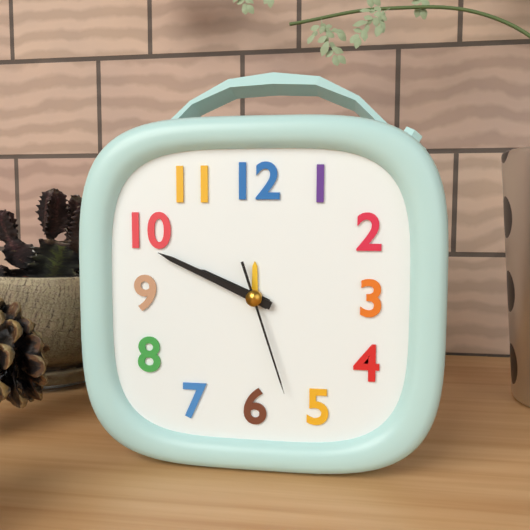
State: 9 h 49 min 27 s
